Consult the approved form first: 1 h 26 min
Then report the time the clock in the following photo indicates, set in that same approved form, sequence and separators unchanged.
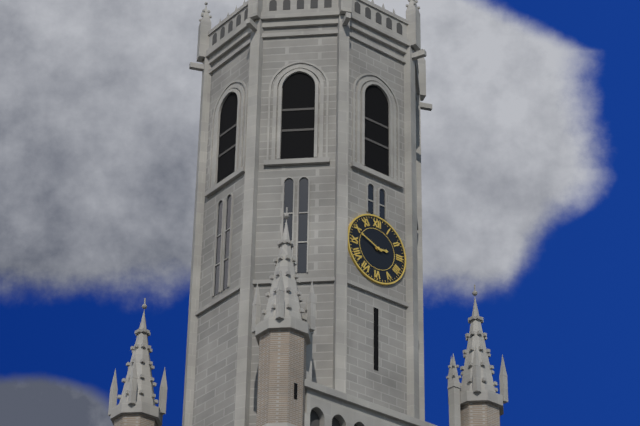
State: 2 h 49 min
